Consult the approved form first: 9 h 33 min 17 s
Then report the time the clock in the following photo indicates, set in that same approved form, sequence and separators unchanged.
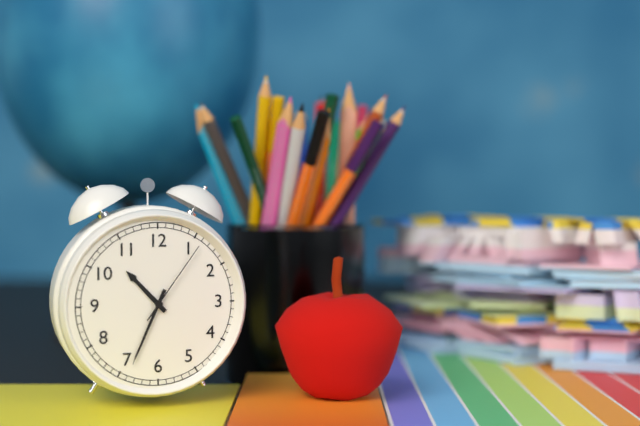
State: 10 h 34 min 06 s
